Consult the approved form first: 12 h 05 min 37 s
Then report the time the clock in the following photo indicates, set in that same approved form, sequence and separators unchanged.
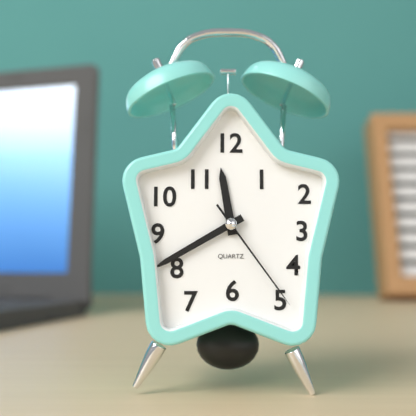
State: 11 h 40 min 24 s
